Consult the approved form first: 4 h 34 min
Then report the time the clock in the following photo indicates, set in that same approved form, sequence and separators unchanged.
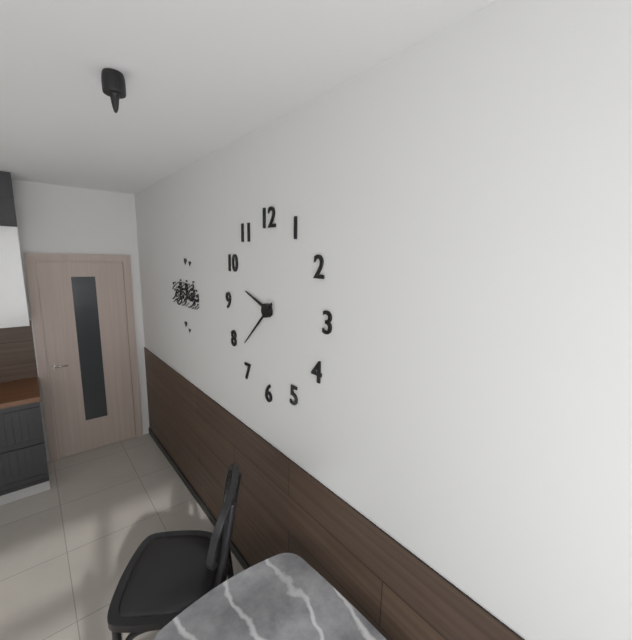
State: 9 h 38 min
